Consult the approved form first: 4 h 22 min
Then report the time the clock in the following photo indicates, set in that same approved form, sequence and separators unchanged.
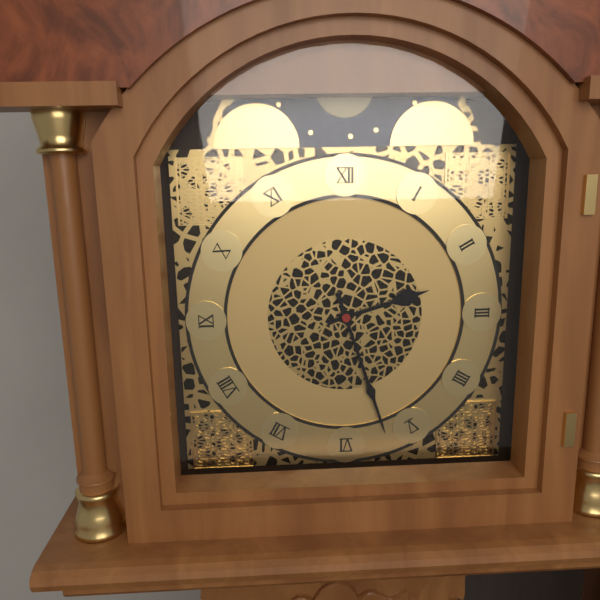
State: 2 h 27 min
